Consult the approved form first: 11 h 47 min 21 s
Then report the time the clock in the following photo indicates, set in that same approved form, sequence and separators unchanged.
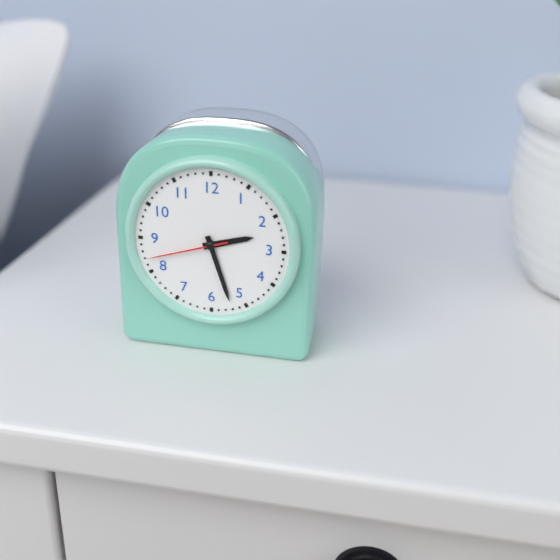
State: 2 h 27 min 42 s
